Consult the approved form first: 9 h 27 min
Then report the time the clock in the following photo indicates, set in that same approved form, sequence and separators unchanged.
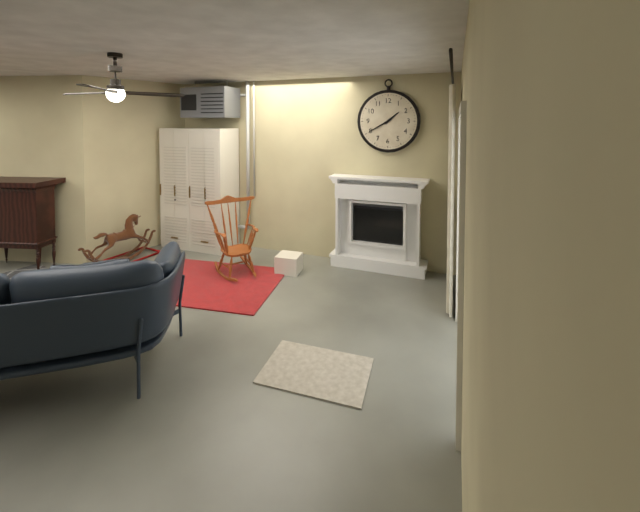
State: 1 h 40 min
